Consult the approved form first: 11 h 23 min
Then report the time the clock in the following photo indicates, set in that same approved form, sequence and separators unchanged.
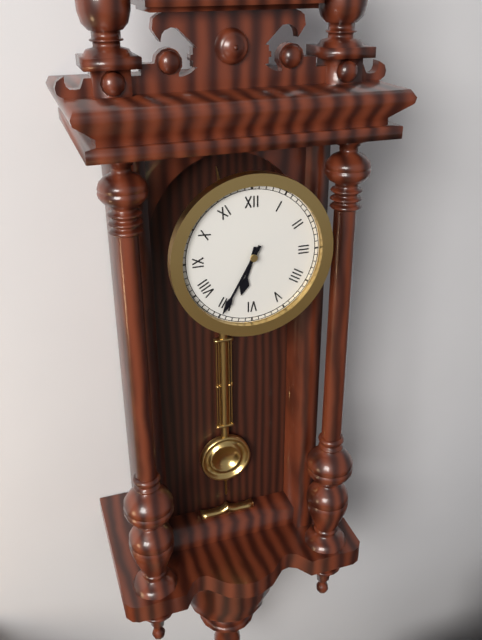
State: 6 h 35 min
